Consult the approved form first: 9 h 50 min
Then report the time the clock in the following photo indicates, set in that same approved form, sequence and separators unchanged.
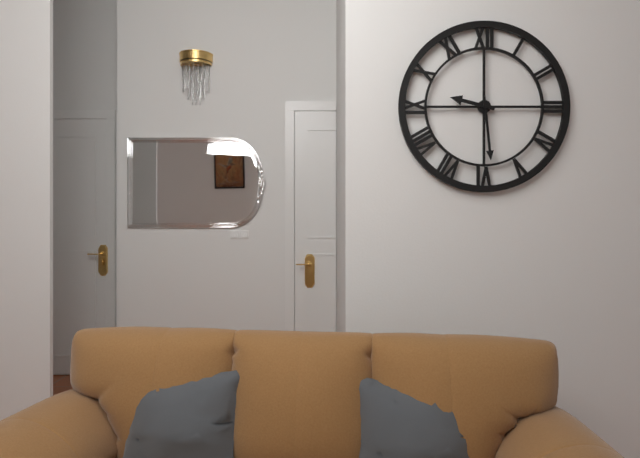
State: 9 h 29 min
